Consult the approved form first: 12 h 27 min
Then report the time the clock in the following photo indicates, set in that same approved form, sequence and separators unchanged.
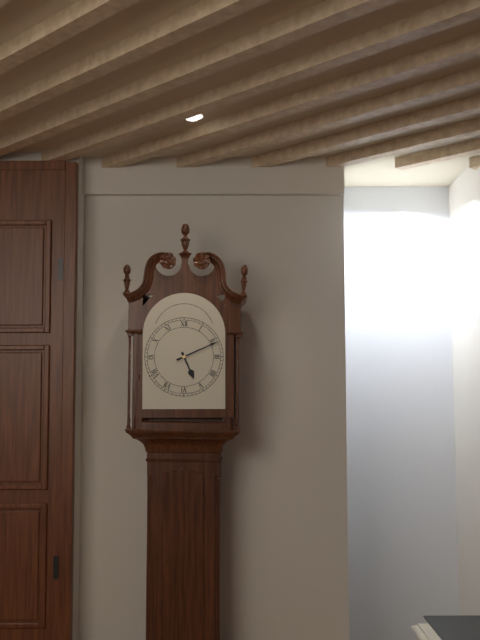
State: 5 h 11 min
